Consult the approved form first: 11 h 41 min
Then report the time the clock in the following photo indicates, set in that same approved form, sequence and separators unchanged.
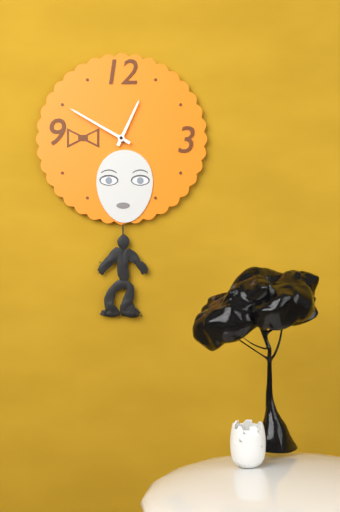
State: 12 h 50 min
